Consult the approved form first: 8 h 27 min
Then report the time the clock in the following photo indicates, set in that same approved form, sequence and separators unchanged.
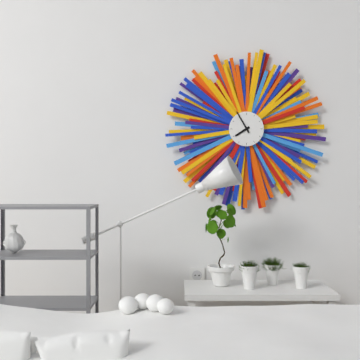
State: 7 h 55 min
